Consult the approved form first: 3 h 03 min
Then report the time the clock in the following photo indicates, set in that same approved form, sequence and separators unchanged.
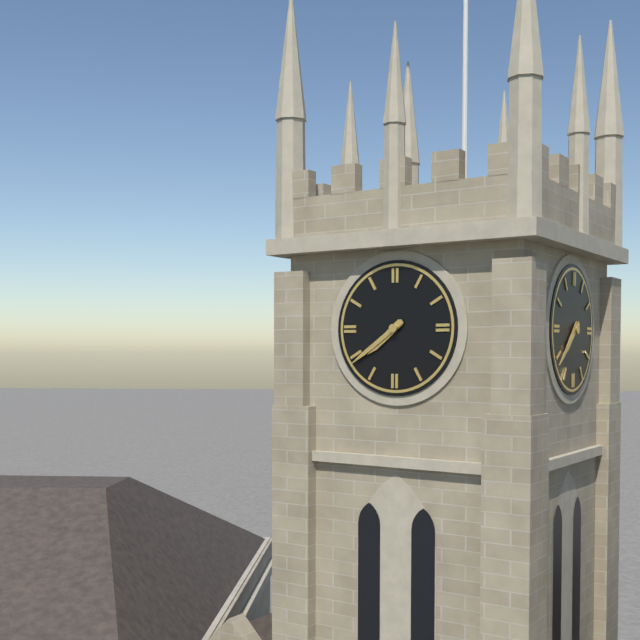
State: 7 h 39 min
